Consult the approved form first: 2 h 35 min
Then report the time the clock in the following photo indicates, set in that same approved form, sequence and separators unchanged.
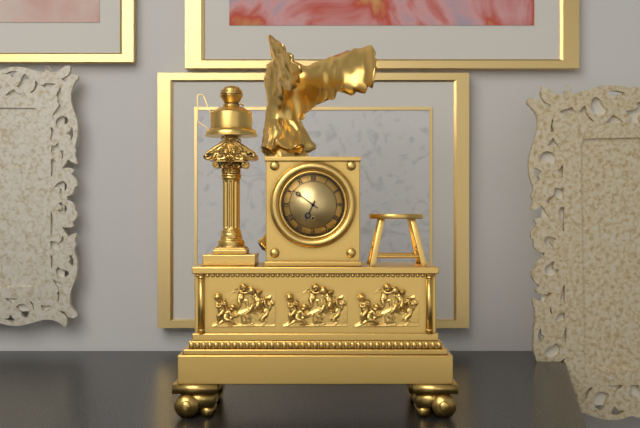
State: 6 h 51 min
